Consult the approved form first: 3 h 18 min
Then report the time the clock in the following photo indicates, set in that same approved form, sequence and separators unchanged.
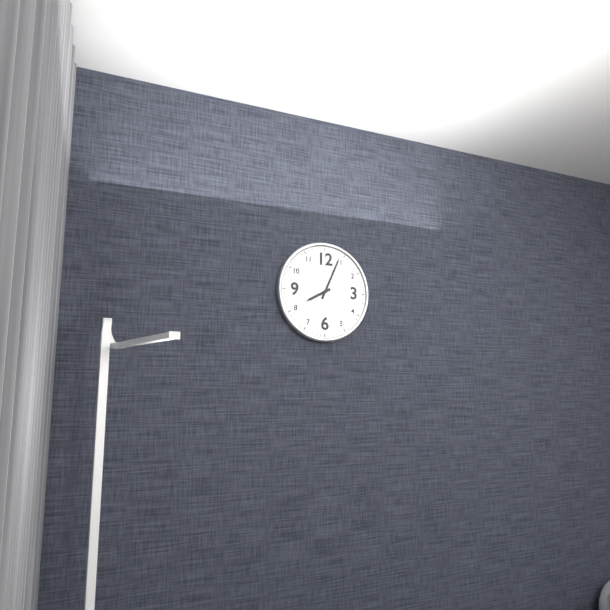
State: 8 h 04 min
